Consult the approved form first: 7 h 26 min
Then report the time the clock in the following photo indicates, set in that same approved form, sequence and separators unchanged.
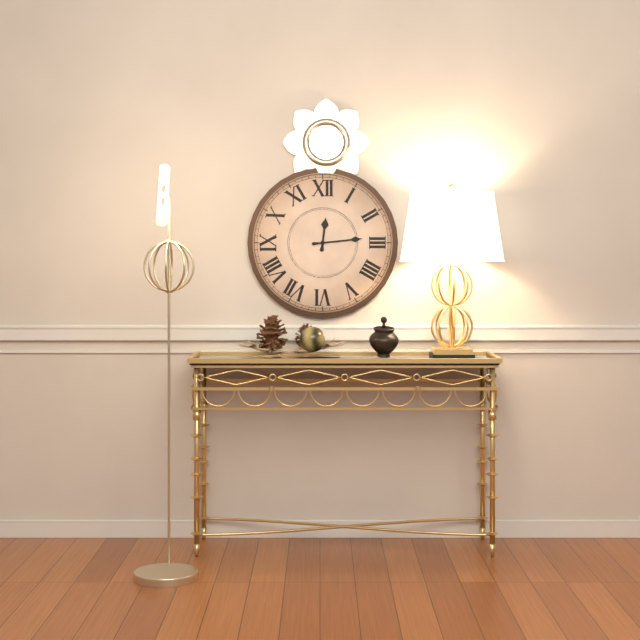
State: 12 h 14 min
